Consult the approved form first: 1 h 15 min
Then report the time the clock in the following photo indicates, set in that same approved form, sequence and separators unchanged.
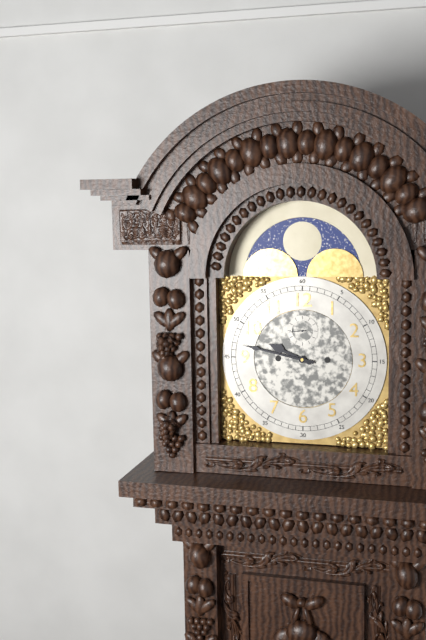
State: 9 h 47 min
